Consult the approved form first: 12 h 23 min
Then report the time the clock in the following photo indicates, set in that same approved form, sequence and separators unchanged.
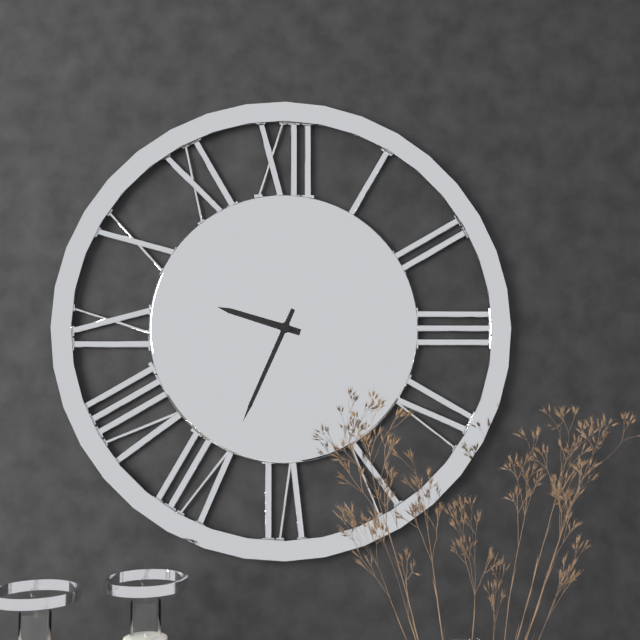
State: 9 h 34 min
